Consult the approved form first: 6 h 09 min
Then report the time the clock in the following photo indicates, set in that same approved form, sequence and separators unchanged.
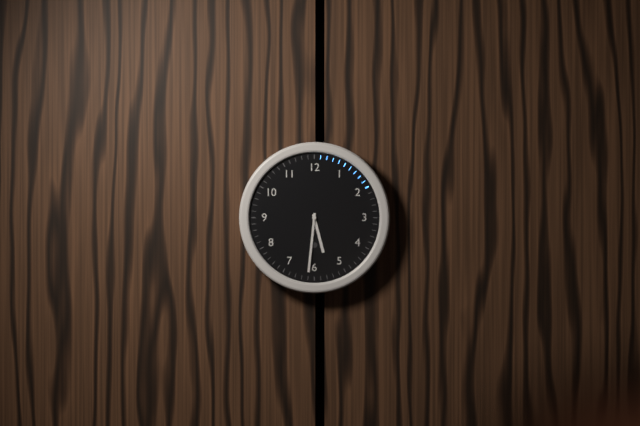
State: 5 h 31 min
